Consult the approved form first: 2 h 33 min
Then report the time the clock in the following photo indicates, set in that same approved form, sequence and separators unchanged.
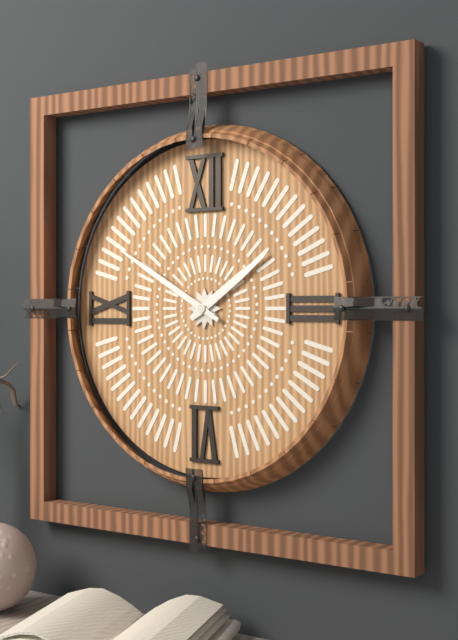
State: 1 h 50 min
